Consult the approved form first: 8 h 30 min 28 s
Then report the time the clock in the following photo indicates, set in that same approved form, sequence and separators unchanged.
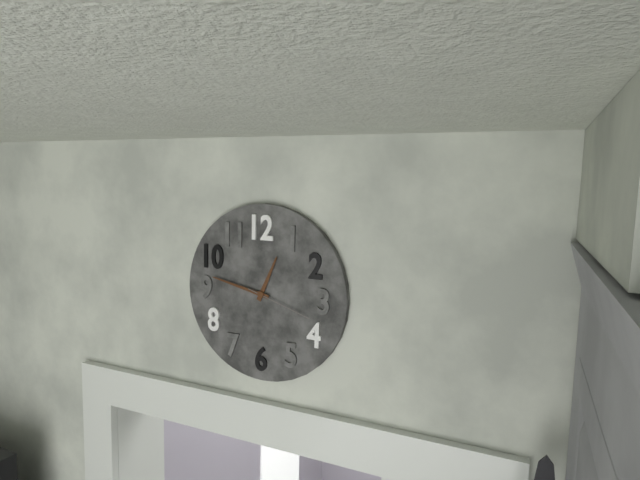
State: 12 h 47 min 18 s
